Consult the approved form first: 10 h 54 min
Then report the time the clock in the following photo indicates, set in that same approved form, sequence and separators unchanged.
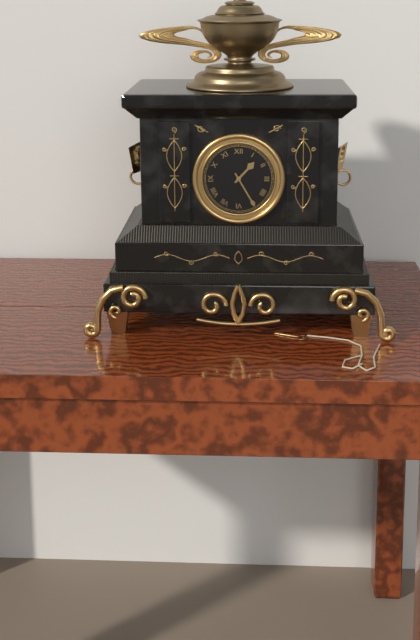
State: 1 h 25 min
